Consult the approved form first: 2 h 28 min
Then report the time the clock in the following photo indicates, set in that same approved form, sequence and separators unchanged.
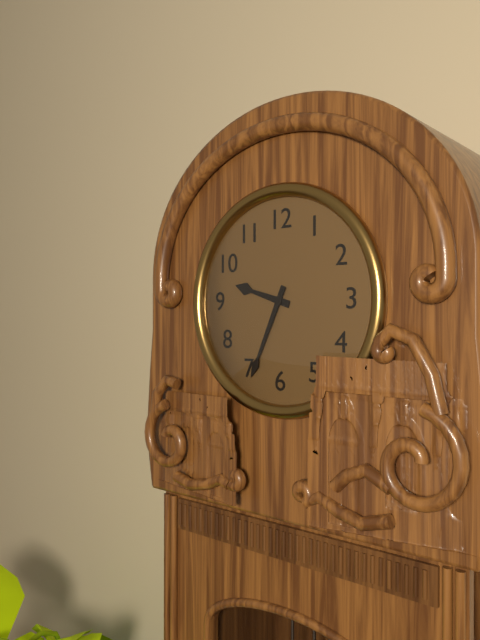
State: 9 h 34 min
